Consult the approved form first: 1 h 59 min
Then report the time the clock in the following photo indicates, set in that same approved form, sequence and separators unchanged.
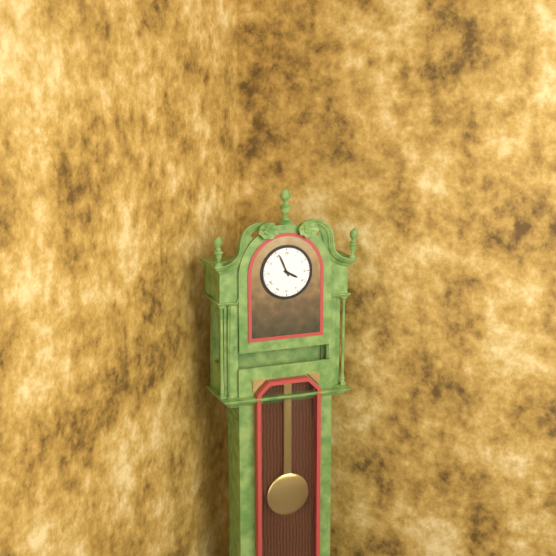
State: 3 h 56 min
